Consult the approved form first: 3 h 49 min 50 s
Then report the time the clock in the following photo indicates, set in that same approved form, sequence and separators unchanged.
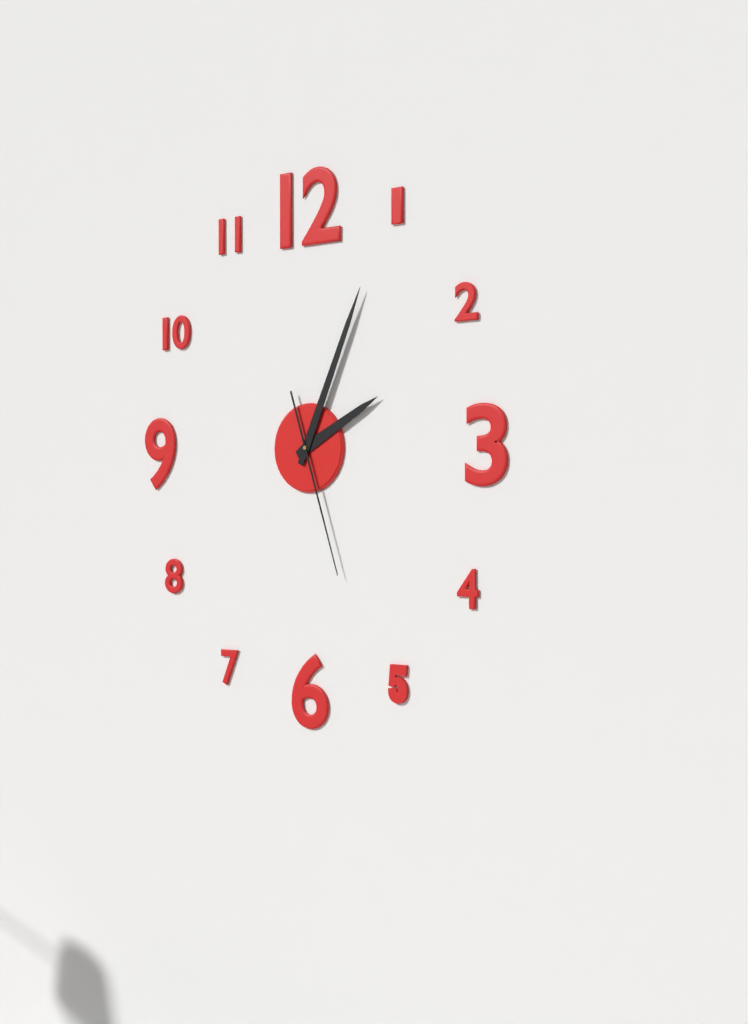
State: 2 h 04 min 27 s
